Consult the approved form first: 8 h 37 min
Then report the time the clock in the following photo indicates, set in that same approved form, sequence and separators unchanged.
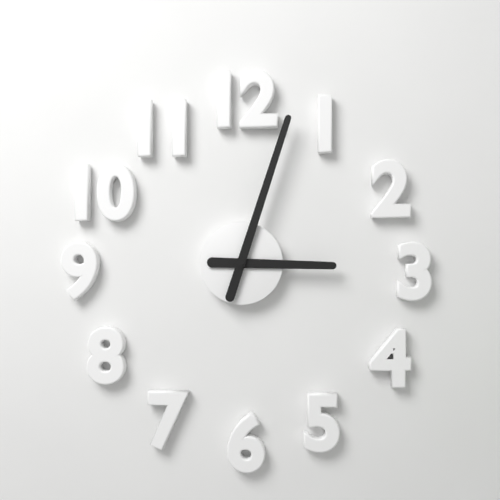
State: 3 h 03 min
